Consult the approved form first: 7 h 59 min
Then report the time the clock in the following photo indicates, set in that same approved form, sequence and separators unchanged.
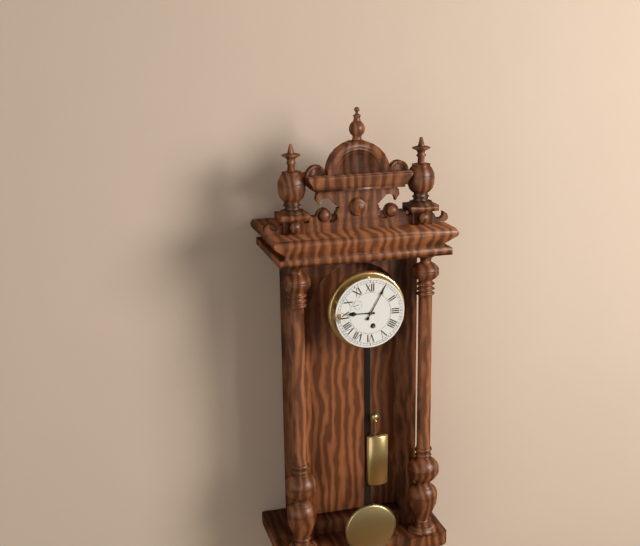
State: 9 h 05 min
